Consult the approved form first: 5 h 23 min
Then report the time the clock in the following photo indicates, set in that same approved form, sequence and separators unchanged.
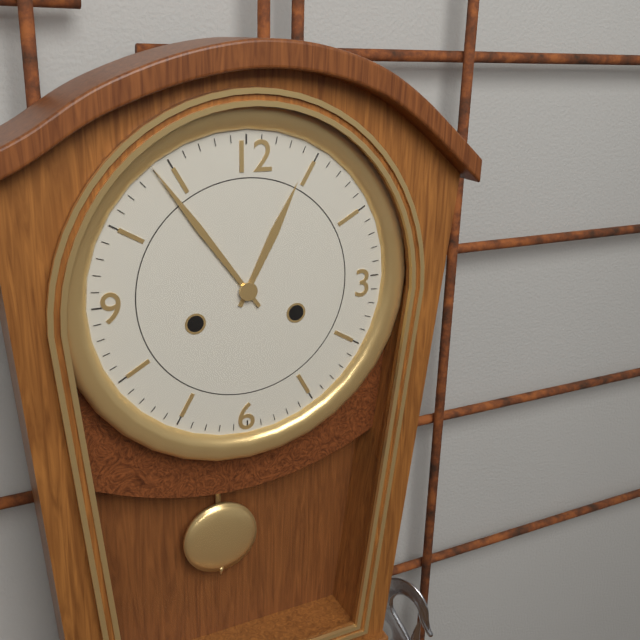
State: 12 h 54 min
